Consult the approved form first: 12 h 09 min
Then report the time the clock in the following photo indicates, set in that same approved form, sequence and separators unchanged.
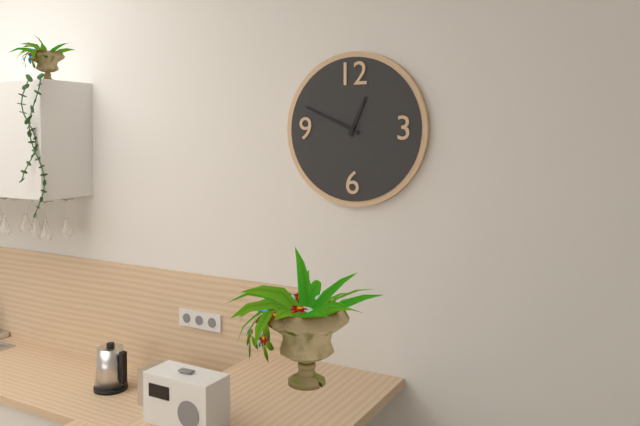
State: 12 h 49 min
